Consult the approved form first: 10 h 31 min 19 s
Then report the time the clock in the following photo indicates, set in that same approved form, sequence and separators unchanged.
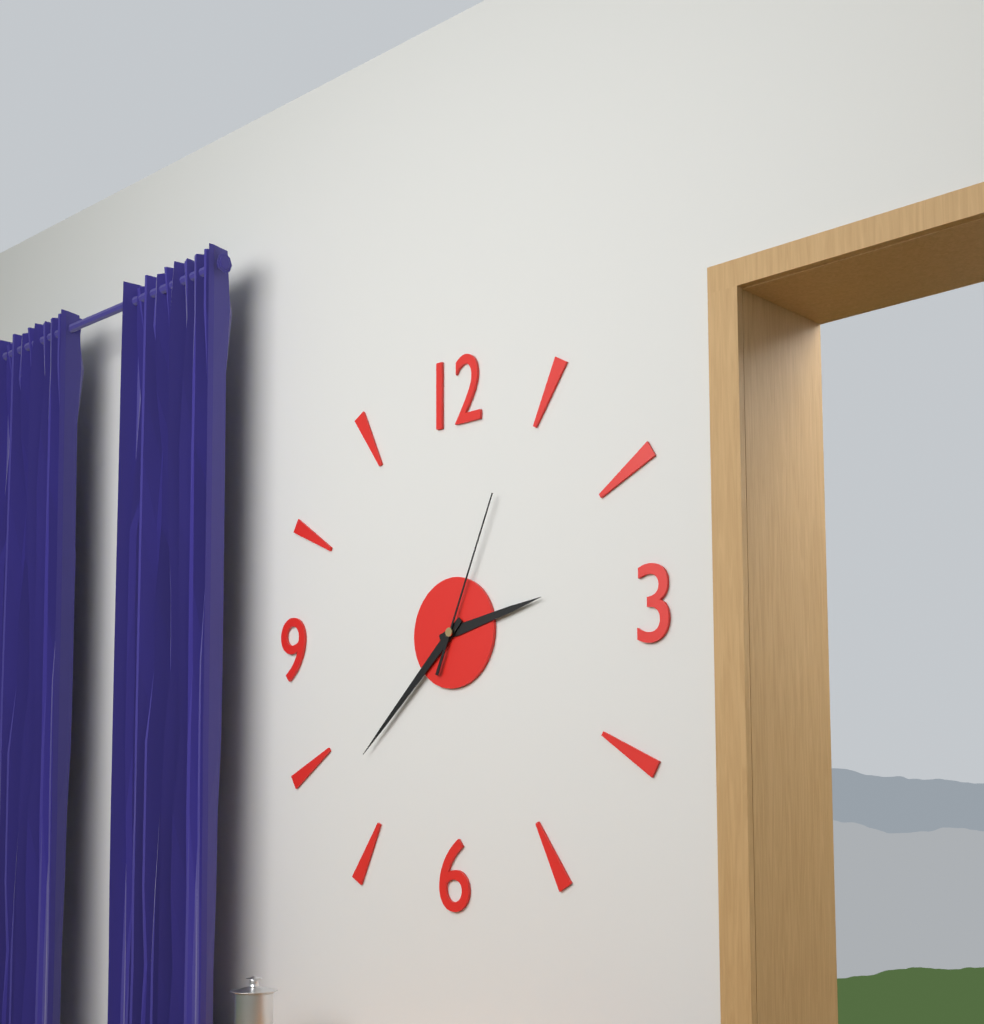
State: 2 h 38 min 04 s
